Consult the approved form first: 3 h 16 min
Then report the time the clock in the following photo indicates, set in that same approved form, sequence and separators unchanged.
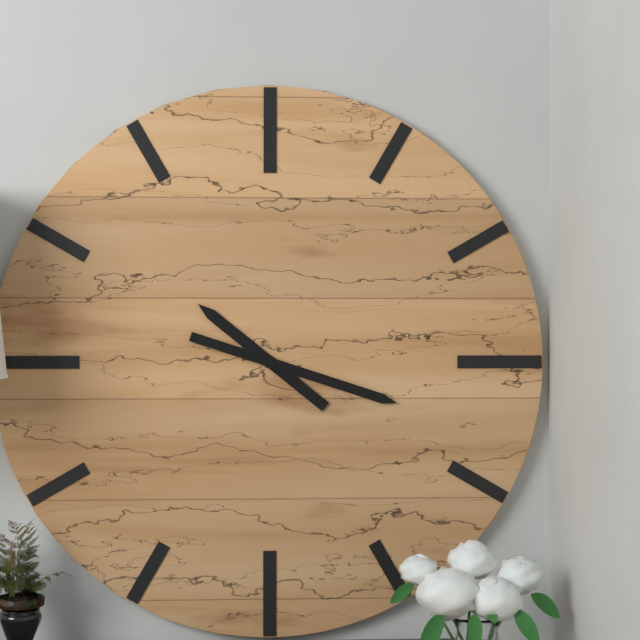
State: 10 h 18 min
